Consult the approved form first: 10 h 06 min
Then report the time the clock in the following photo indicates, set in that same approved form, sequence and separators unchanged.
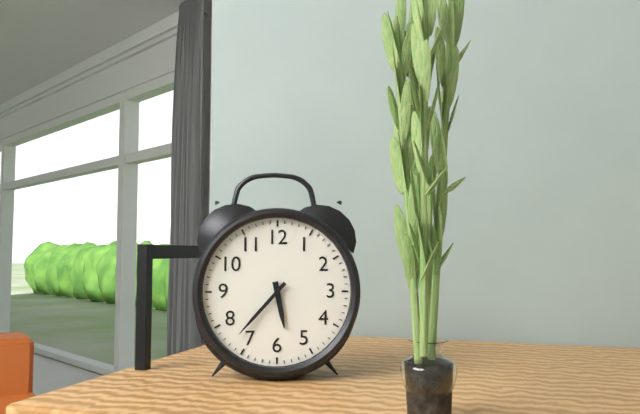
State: 5 h 37 min
